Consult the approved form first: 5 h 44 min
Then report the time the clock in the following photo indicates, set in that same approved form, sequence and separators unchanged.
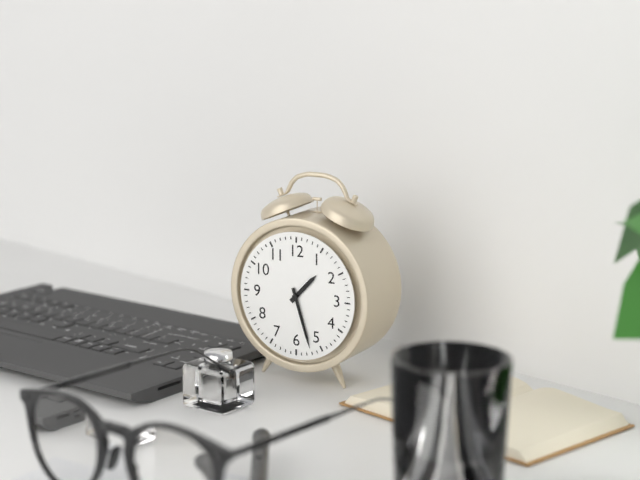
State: 1 h 27 min
